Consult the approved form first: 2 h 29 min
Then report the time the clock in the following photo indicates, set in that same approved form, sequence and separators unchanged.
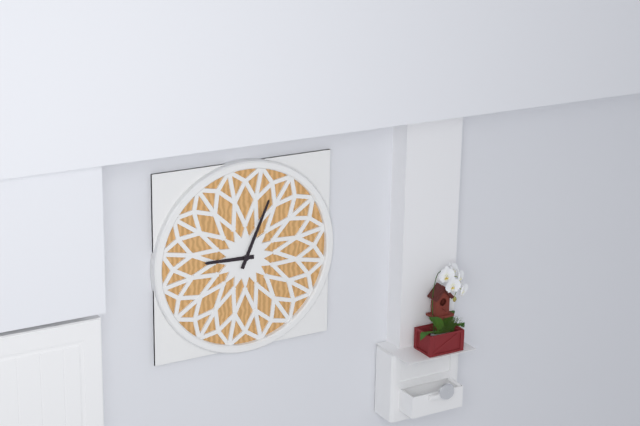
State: 9 h 04 min
